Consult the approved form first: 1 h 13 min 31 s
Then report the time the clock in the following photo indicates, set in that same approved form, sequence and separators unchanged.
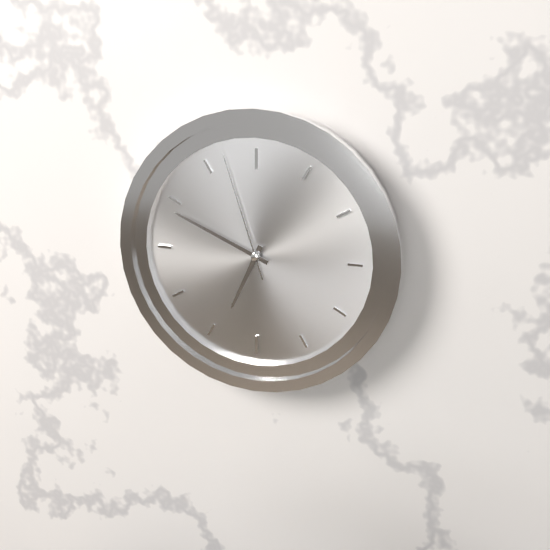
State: 6 h 49 min 57 s
